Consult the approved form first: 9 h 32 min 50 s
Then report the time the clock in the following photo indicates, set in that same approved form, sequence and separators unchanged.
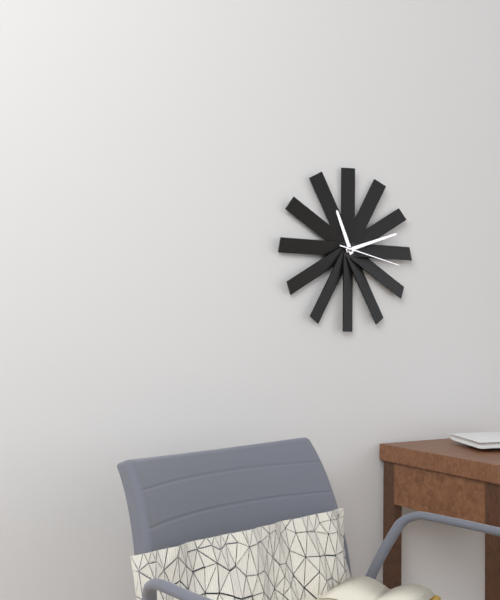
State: 11 h 12 min 17 s
